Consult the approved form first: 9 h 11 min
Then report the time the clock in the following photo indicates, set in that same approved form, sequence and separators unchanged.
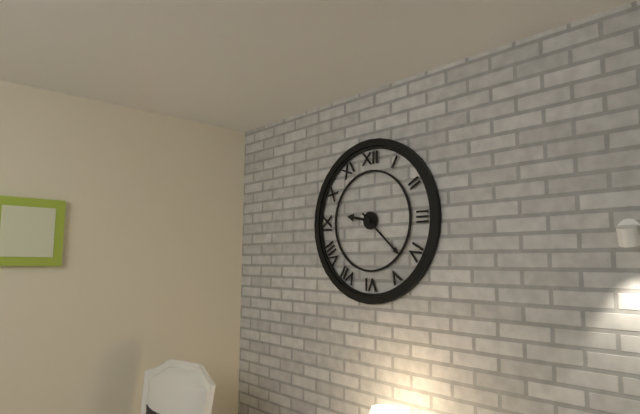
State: 9 h 22 min
